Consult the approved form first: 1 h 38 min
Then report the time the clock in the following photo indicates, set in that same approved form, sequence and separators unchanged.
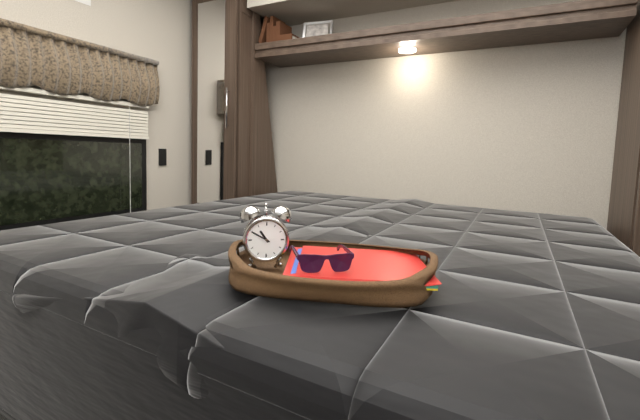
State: 10 h 50 min
